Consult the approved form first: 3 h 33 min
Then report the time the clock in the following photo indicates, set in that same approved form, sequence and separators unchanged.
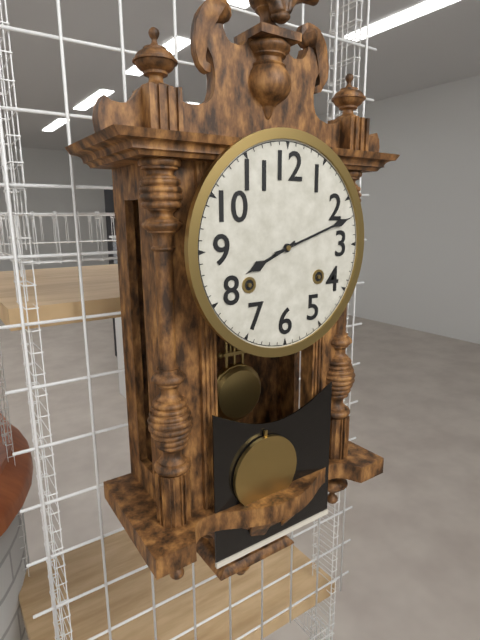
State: 8 h 12 min
